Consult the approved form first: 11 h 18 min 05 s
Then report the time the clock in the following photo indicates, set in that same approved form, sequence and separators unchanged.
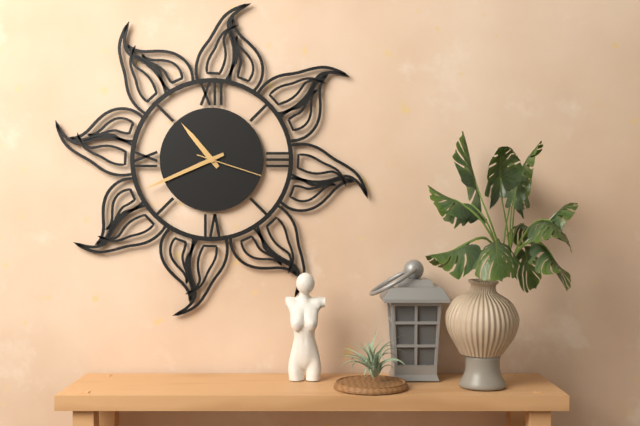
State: 10 h 41 min 18 s
